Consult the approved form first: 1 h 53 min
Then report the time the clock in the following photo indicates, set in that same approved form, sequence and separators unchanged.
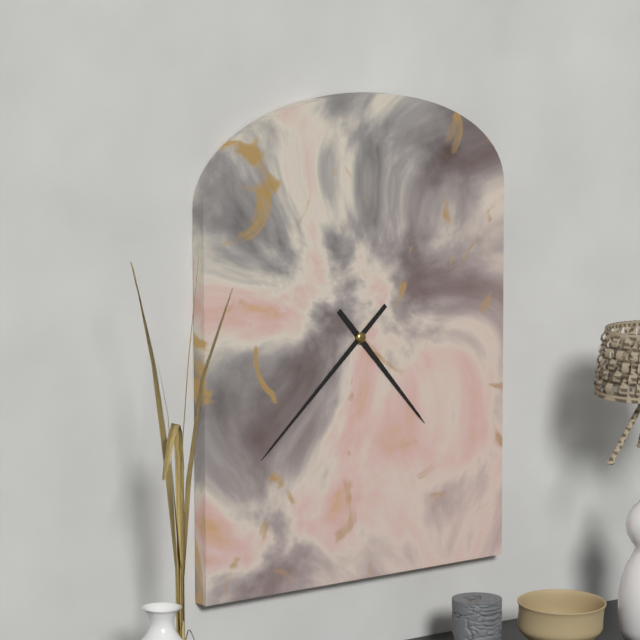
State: 4 h 38 min
